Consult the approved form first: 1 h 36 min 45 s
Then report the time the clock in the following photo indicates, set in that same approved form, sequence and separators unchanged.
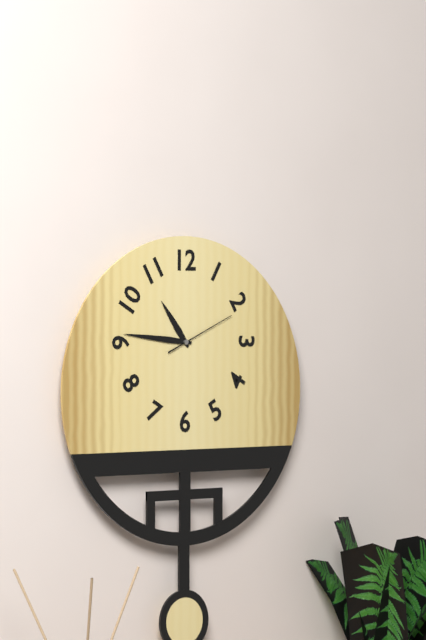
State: 10 h 46 min 11 s
